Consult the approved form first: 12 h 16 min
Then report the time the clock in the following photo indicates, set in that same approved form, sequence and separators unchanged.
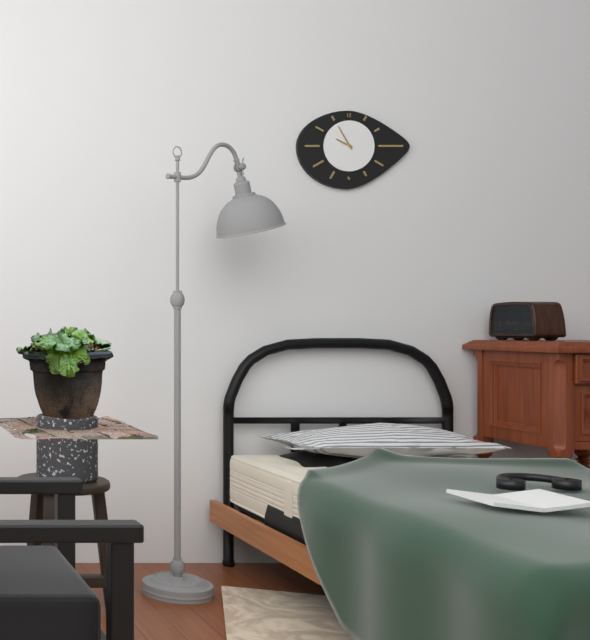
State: 9 h 55 min
